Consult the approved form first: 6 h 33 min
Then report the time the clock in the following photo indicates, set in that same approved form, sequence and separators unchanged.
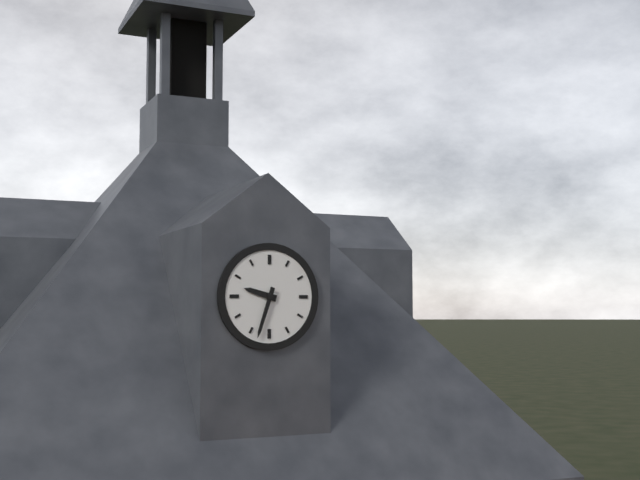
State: 9 h 33 min
